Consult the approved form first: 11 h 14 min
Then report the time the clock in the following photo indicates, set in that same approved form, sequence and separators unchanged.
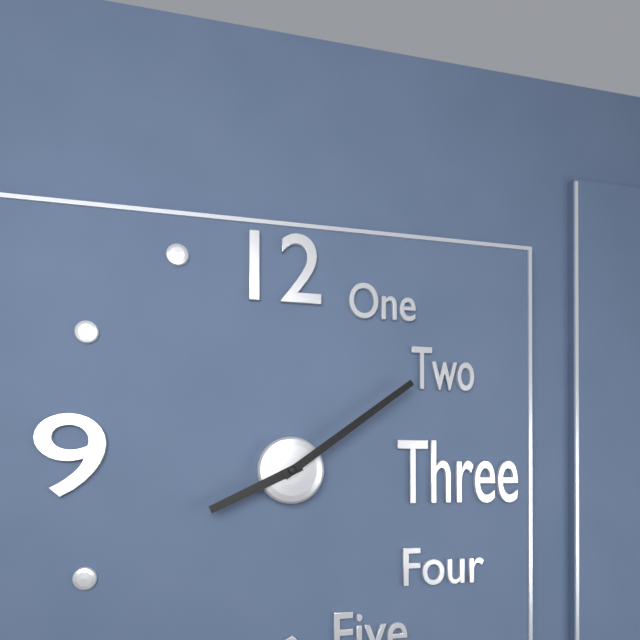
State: 8 h 09 min
